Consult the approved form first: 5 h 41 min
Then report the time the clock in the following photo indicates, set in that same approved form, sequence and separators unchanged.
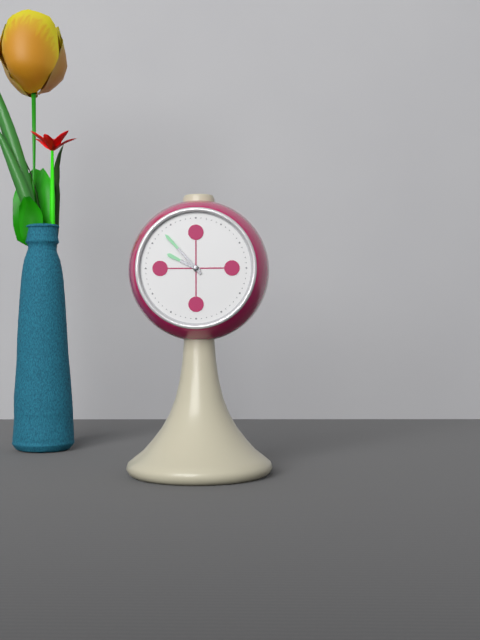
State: 9 h 53 min
